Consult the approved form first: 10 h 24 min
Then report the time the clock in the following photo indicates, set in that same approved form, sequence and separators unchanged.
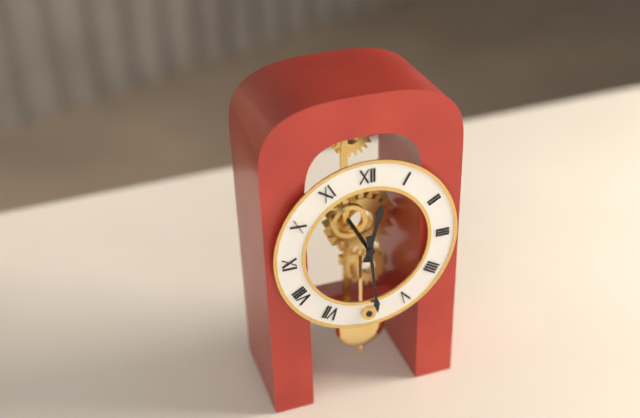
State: 12 h 29 min
